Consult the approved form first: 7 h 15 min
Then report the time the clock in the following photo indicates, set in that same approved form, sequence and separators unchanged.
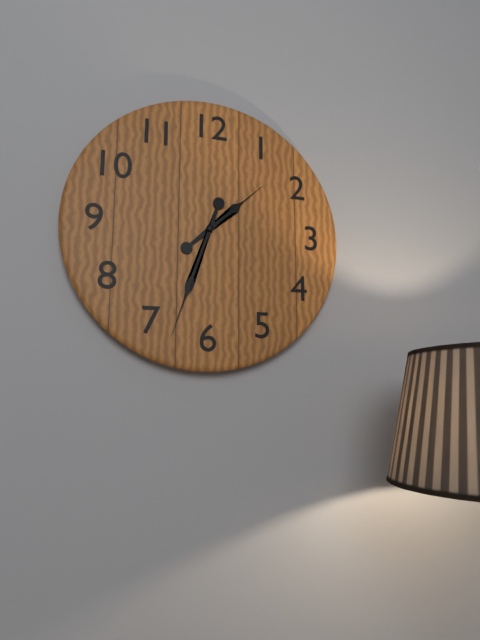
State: 1 h 33 min
